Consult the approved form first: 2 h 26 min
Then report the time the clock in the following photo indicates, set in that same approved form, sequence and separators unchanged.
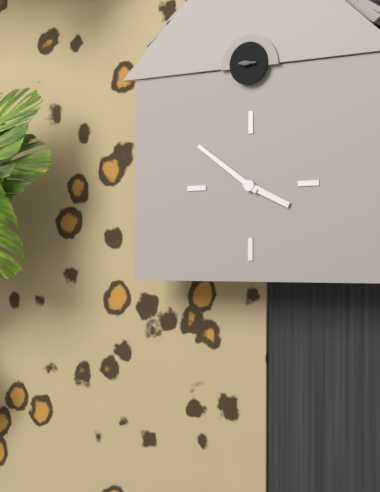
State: 3 h 51 min
